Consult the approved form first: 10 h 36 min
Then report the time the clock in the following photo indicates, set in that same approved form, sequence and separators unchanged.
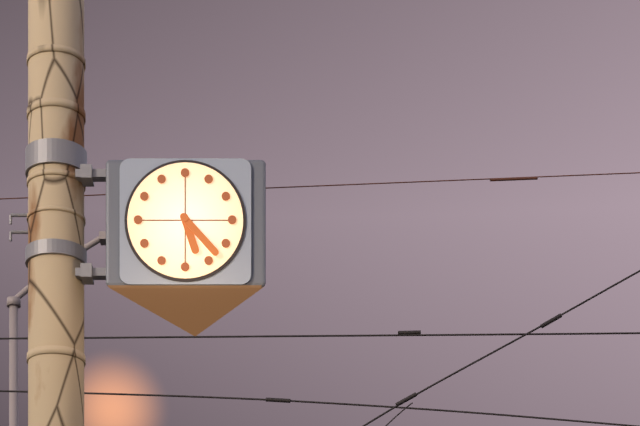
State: 5 h 23 min
